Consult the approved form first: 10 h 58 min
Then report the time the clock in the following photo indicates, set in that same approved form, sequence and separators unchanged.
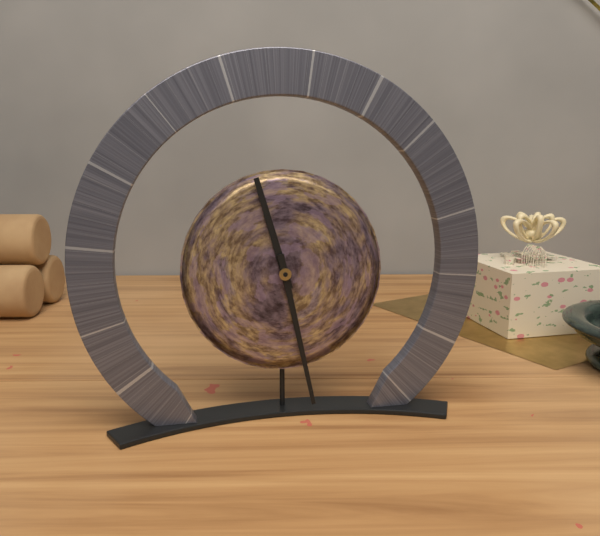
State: 11 h 28 min
